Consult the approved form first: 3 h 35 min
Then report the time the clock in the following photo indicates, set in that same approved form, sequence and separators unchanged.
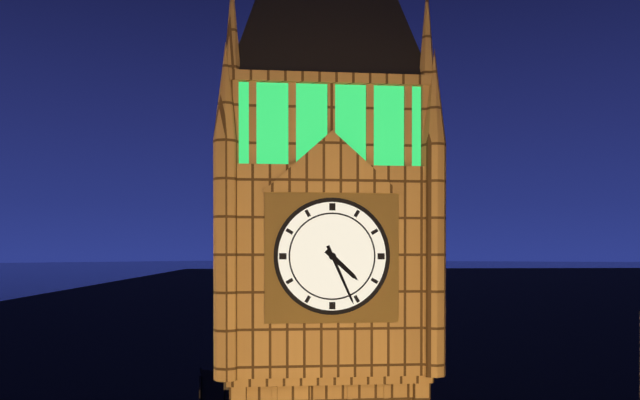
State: 4 h 26 min
